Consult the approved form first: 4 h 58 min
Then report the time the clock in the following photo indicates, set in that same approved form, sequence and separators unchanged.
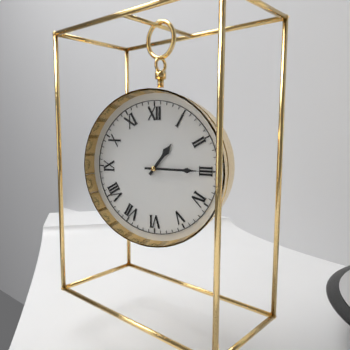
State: 1 h 15 min
